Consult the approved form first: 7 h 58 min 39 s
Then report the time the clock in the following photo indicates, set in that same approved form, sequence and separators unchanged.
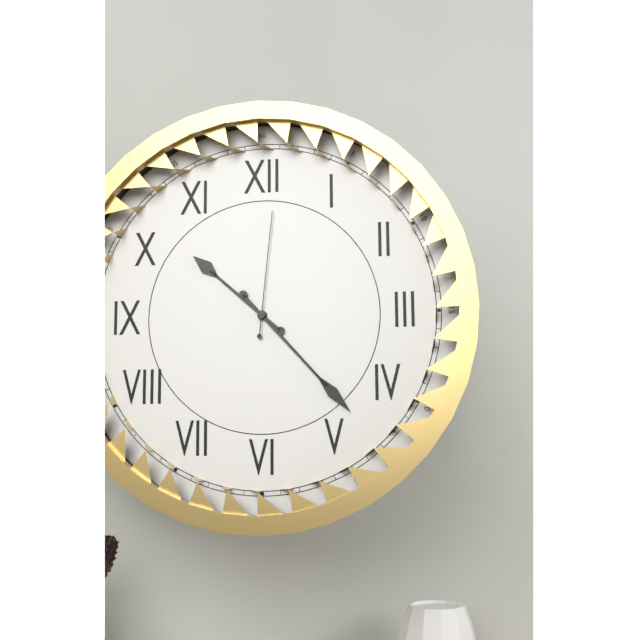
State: 10 h 23 min 01 s
